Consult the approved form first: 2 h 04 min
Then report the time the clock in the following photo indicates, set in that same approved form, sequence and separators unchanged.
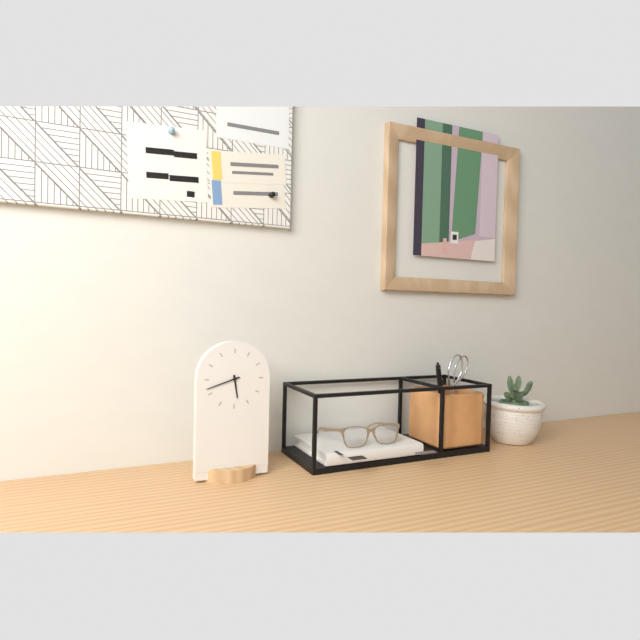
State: 5 h 42 min
